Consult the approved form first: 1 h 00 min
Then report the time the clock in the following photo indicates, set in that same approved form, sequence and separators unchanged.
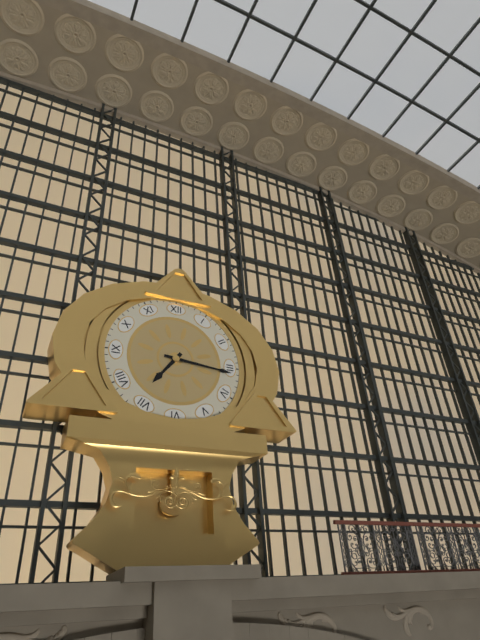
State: 7 h 16 min
